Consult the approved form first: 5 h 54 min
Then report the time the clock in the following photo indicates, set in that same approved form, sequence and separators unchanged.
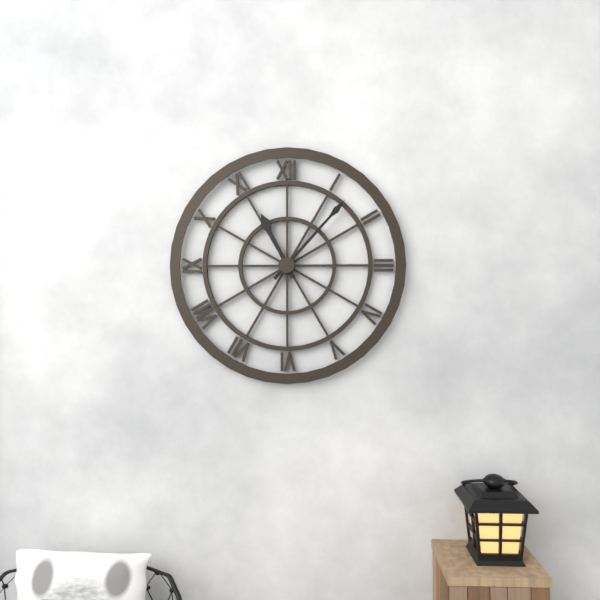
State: 11 h 07 min
